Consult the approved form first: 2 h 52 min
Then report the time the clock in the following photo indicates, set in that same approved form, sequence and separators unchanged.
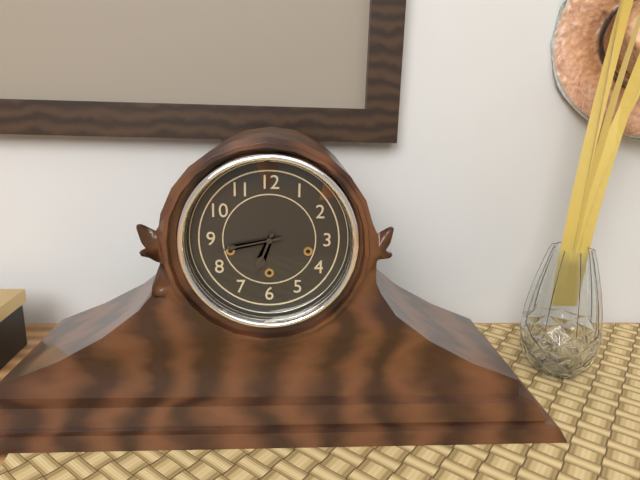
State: 6 h 43 min
